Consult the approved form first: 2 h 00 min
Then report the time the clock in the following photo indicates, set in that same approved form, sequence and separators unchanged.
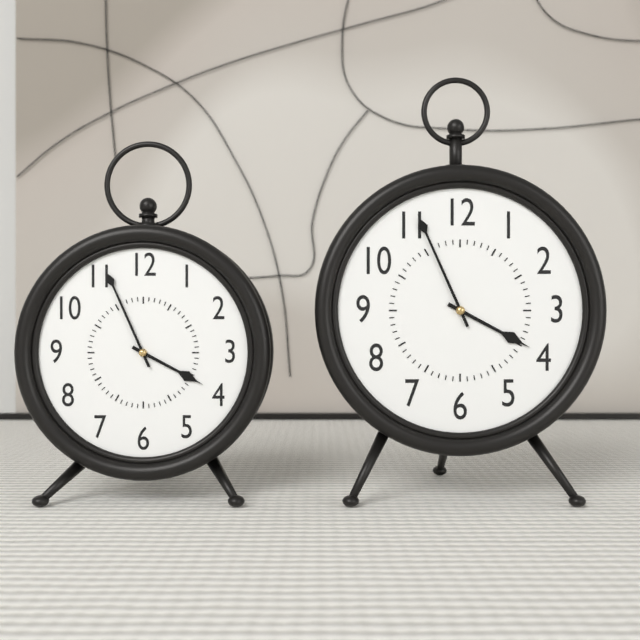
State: 3 h 56 min
